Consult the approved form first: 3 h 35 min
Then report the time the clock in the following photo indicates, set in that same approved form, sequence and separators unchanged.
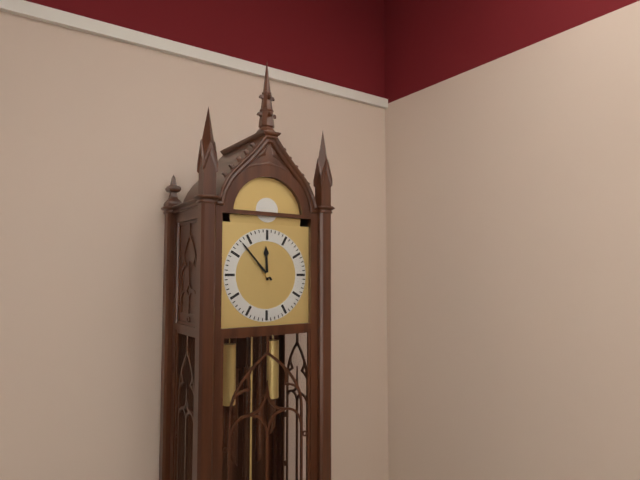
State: 11 h 53 min
